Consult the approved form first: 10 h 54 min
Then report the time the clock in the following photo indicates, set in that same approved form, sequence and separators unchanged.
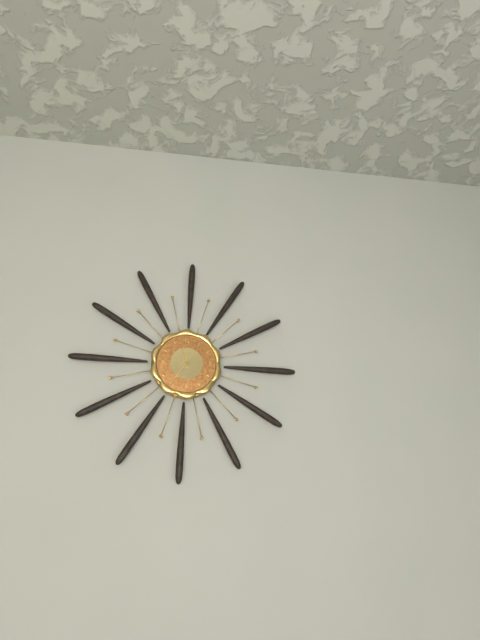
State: 11 h 36 min
